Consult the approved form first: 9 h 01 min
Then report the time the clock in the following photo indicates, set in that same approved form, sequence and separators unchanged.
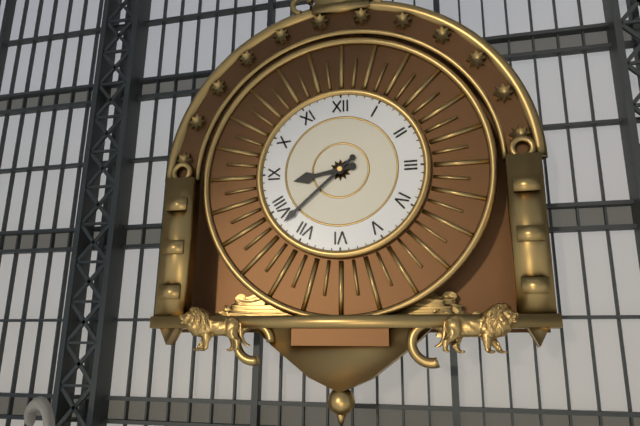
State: 8 h 38 min
